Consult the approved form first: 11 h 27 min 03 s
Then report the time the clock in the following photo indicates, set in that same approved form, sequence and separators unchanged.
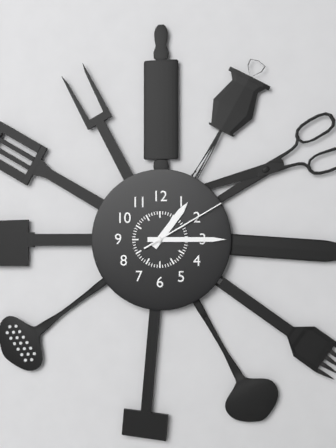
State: 1 h 15 min 10 s
